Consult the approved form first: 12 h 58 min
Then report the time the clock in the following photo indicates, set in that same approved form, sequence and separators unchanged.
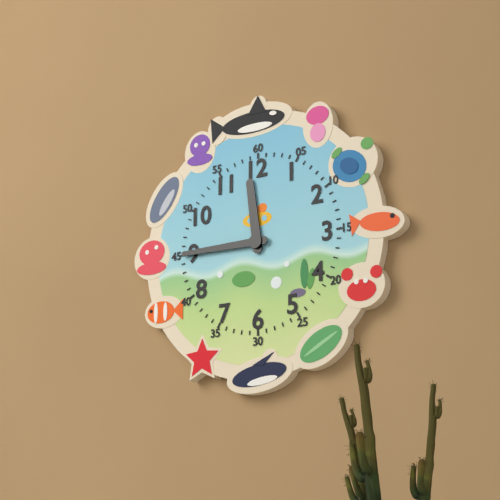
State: 11 h 45 min
